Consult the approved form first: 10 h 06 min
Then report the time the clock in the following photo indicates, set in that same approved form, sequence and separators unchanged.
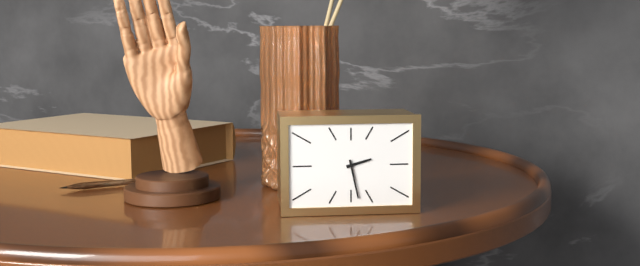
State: 2 h 28 min
